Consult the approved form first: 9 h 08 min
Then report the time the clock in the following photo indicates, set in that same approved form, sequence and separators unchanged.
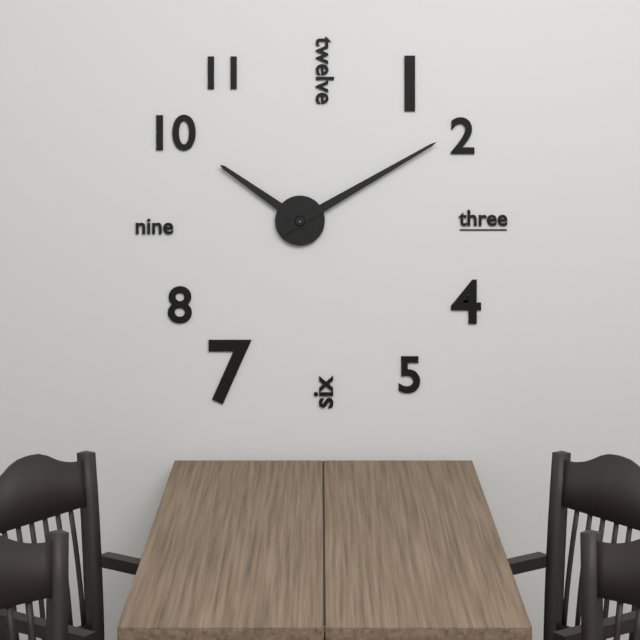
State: 10 h 10 min
